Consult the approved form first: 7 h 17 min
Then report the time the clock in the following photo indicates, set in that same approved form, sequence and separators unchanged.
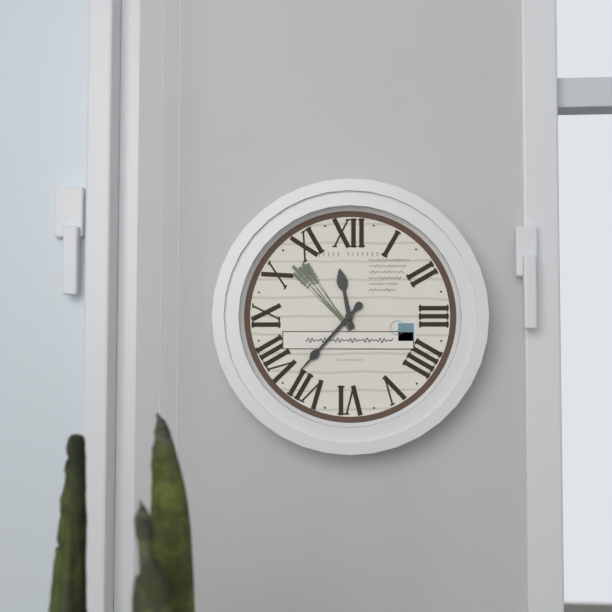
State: 11 h 37 min
